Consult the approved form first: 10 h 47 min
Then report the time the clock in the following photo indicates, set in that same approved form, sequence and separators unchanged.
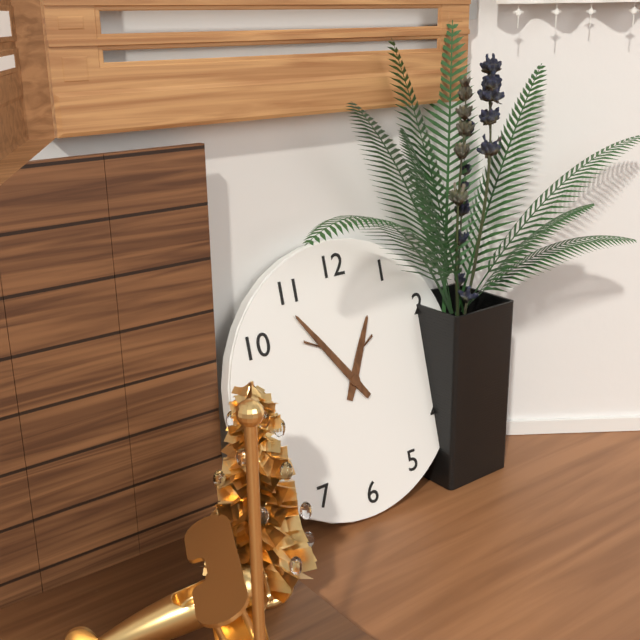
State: 12 h 54 min
